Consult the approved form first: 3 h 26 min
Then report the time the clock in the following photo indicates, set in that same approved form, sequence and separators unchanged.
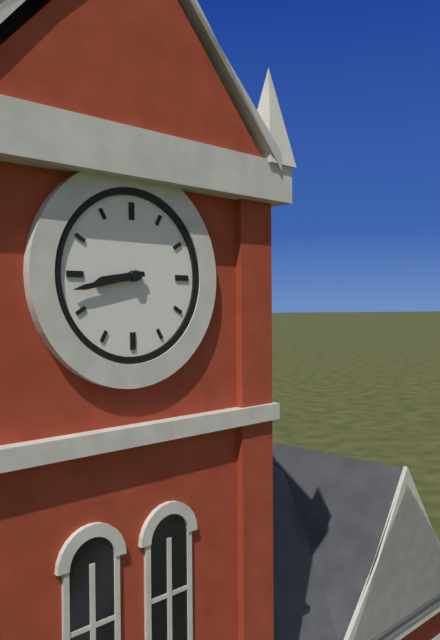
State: 8 h 43 min
